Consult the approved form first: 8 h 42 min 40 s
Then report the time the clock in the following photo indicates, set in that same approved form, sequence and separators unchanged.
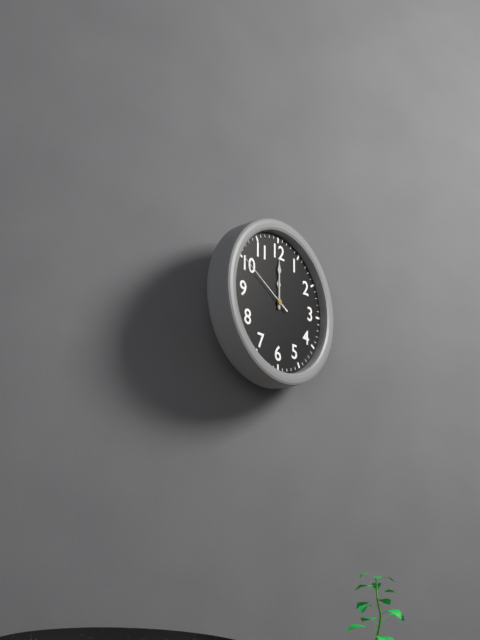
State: 12 h 00 min 50 s
